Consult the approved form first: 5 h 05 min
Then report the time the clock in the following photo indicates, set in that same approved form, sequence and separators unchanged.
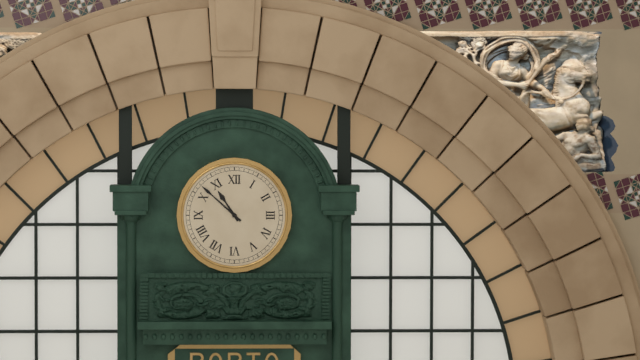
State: 10 h 52 min
